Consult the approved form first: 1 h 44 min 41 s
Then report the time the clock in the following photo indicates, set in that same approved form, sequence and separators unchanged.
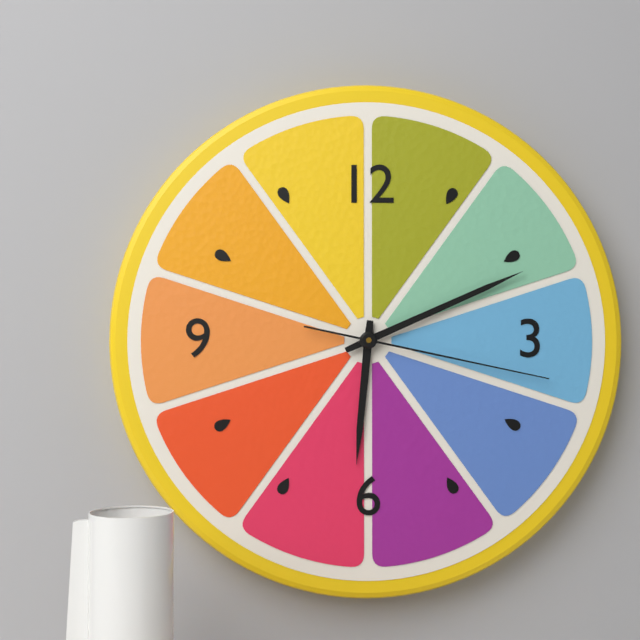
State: 6 h 11 min 17 s
